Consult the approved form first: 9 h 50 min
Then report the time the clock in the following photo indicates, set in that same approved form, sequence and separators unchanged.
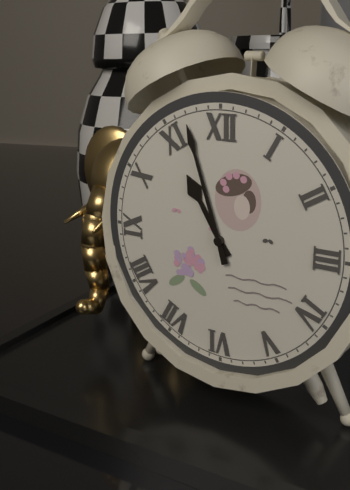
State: 10 h 57 min
